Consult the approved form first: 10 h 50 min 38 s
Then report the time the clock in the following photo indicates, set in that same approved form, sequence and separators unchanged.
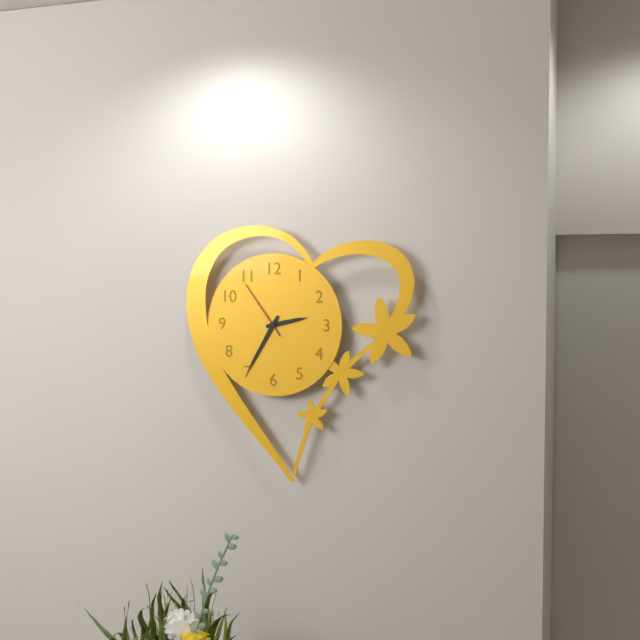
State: 2 h 35 min 54 s
